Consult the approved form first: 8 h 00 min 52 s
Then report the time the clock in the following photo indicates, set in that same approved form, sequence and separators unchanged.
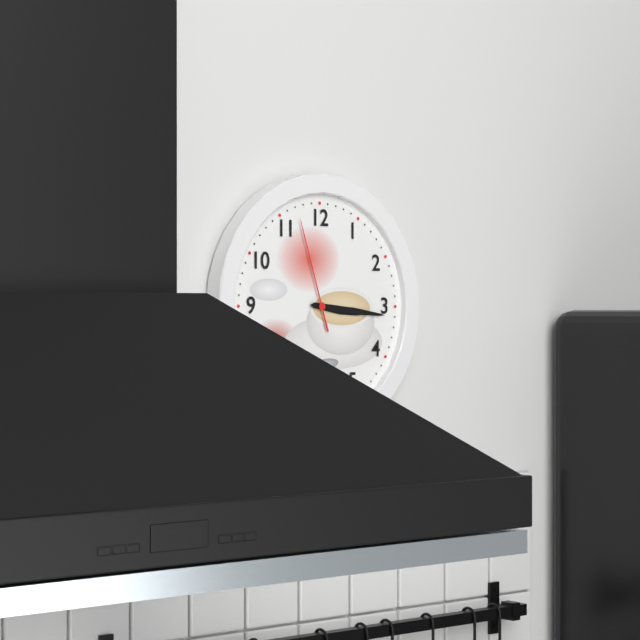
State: 3 h 16 min 57 s
